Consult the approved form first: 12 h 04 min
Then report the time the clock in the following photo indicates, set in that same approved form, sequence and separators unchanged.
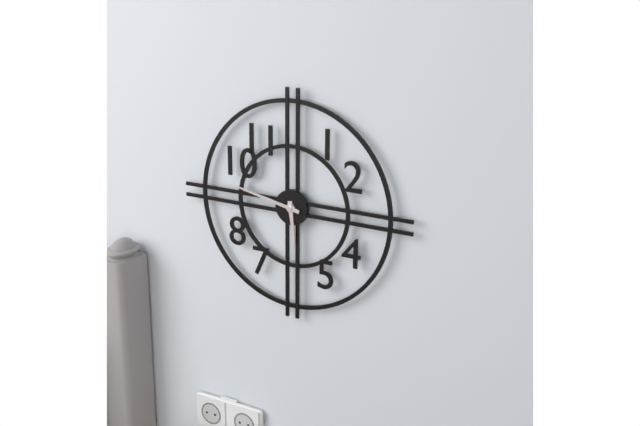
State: 5 h 47 min
